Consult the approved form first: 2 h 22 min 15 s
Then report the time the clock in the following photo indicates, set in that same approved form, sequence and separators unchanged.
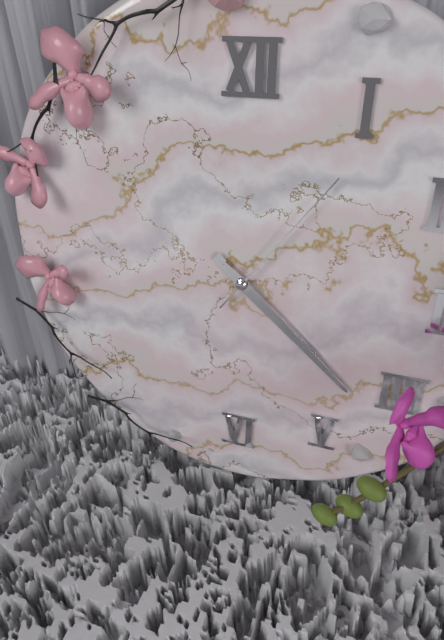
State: 4 h 22 min 06 s
